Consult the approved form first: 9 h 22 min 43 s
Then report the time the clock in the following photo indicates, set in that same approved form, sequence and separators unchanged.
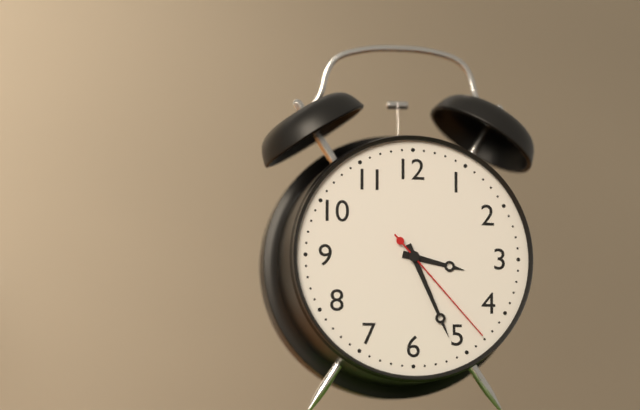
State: 3 h 26 min 23 s
